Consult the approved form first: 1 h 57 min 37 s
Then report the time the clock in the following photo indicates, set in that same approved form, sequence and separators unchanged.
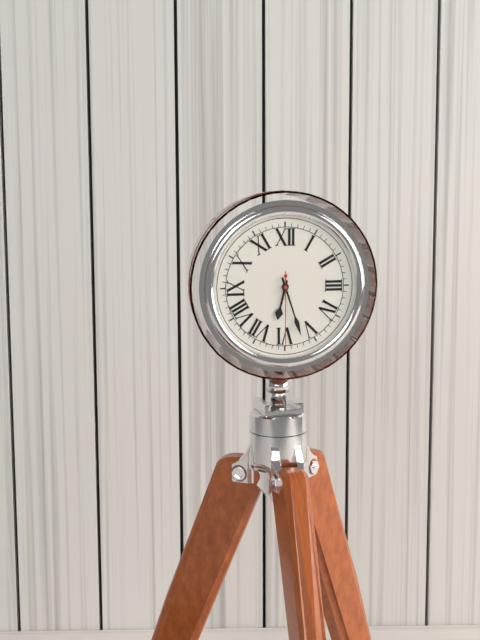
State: 6 h 27 min 30 s
